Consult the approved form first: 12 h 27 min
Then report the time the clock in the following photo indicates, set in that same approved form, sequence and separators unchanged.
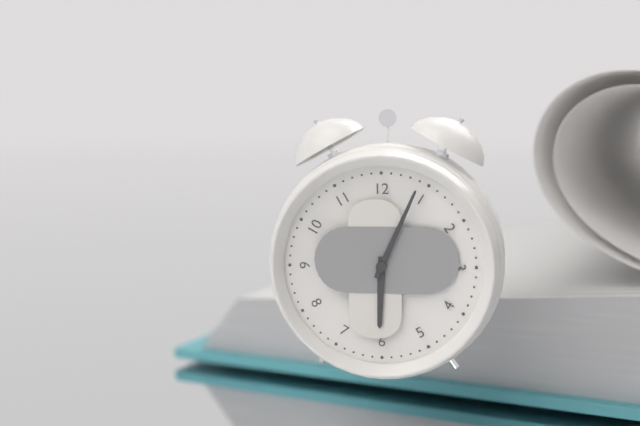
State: 6 h 04 min
